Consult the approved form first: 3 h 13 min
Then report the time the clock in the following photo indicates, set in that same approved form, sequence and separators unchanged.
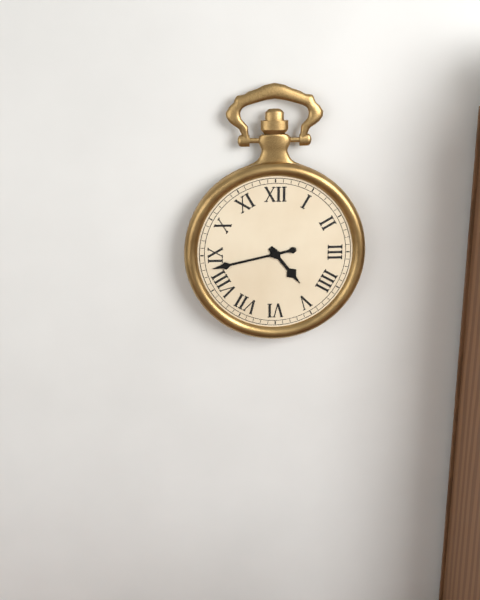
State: 4 h 43 min
